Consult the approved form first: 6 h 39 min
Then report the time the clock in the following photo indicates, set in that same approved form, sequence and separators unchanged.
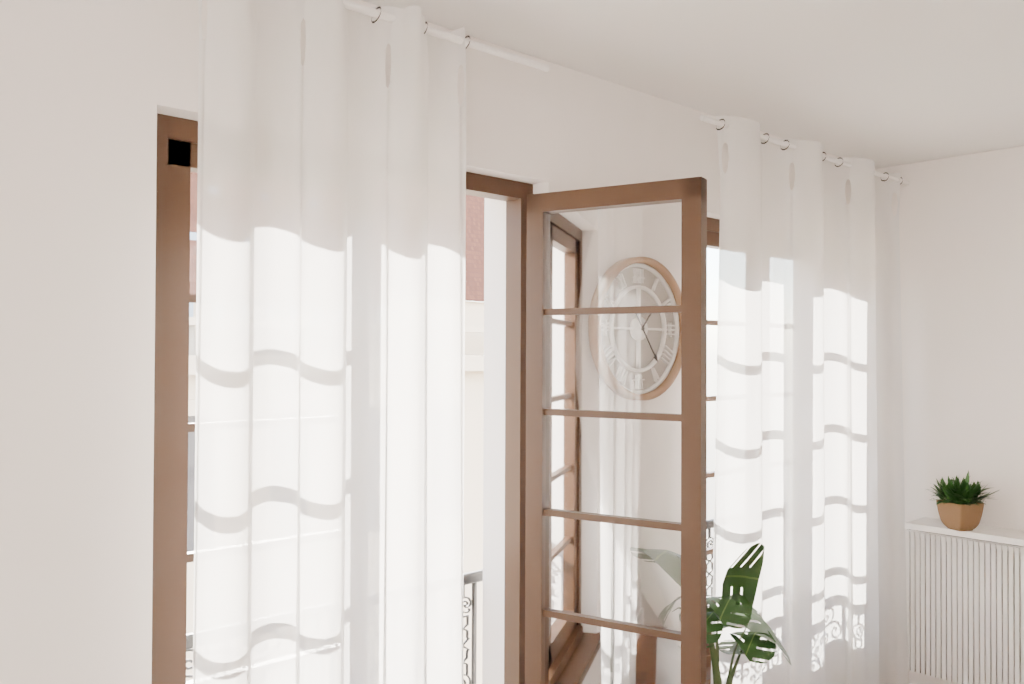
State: 1 h 24 min
